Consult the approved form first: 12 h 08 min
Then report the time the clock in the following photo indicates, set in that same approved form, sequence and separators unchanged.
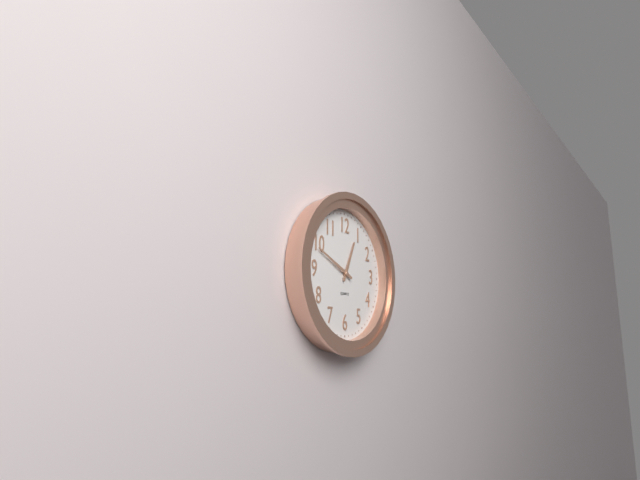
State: 12 h 49 min
